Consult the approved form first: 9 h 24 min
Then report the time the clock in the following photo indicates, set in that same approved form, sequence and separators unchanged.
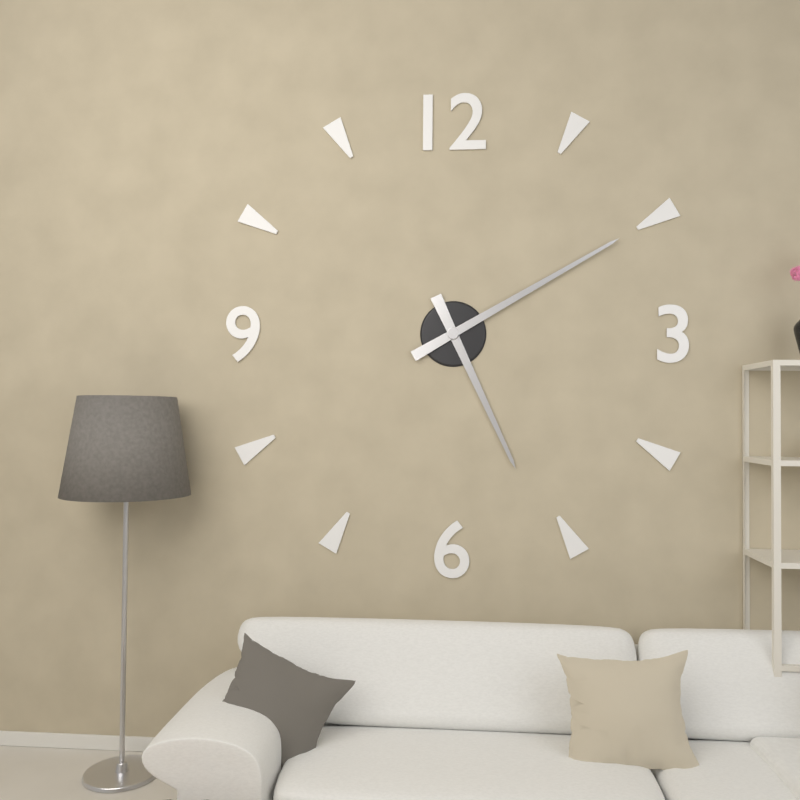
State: 5 h 10 min
